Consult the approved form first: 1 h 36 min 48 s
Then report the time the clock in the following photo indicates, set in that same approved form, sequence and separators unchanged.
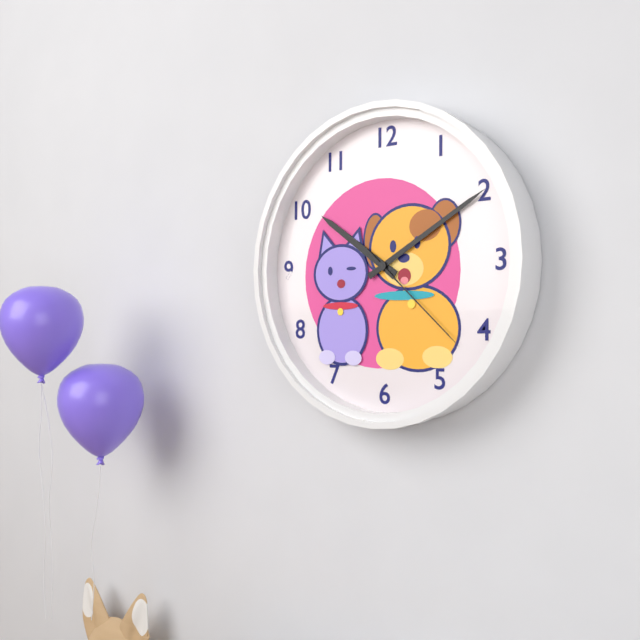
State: 10 h 10 min 22 s
